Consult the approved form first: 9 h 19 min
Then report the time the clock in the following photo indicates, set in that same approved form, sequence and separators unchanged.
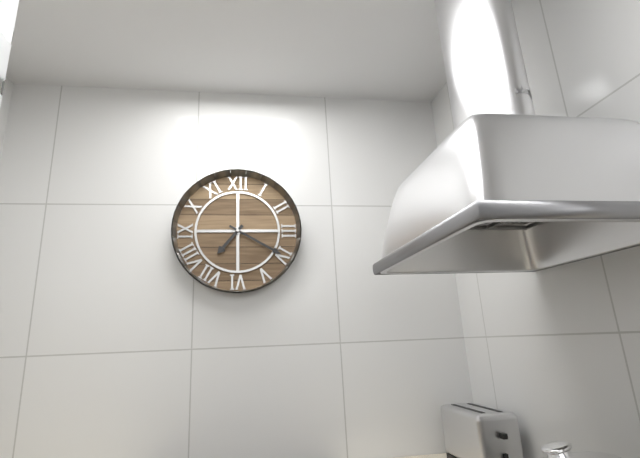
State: 7 h 20 min
